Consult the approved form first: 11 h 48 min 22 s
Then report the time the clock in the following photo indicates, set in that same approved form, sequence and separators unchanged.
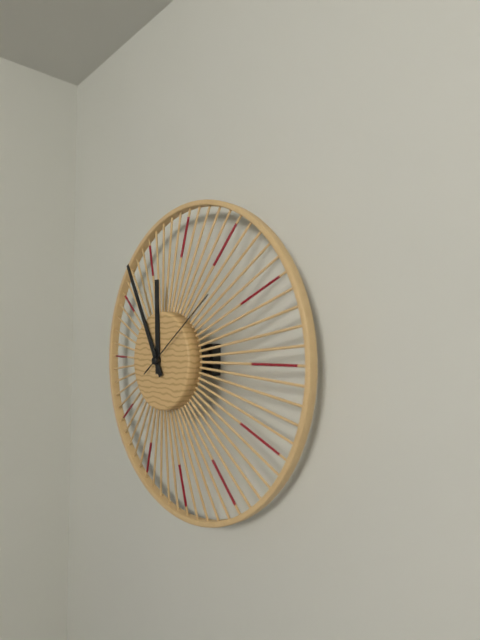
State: 11 h 55 min 09 s
